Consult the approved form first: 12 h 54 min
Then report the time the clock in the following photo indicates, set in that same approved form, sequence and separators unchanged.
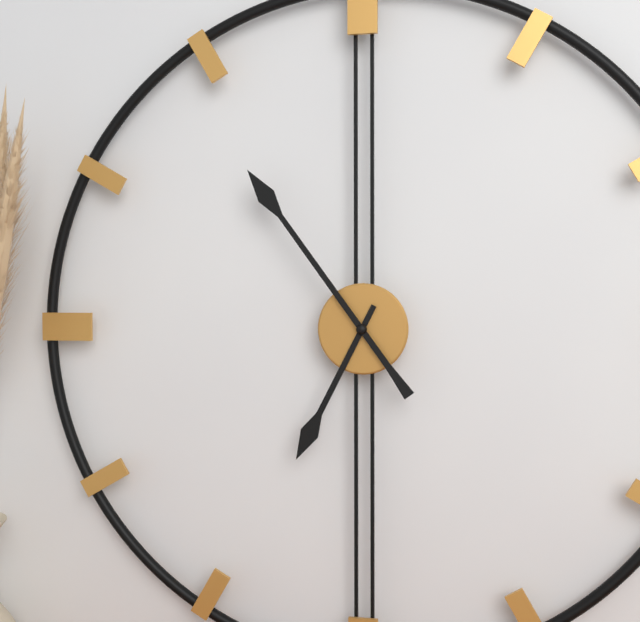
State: 6 h 54 min
